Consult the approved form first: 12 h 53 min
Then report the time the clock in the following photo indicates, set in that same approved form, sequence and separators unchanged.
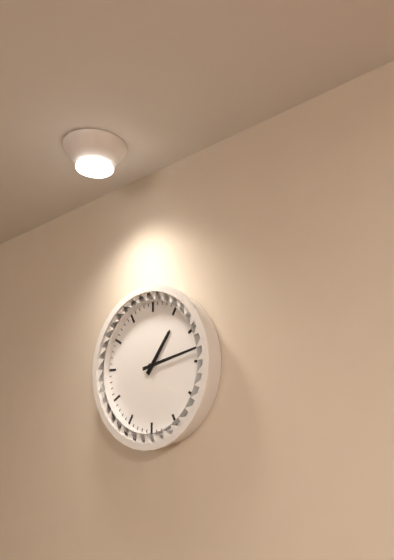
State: 1 h 13 min
